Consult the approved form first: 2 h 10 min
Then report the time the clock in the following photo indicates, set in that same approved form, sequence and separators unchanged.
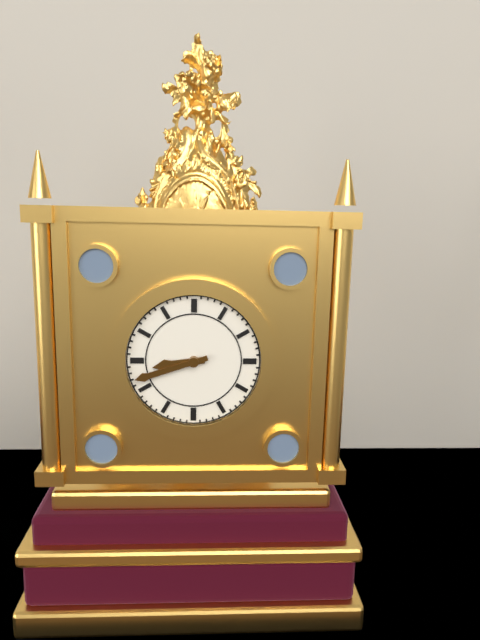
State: 8 h 42 min
